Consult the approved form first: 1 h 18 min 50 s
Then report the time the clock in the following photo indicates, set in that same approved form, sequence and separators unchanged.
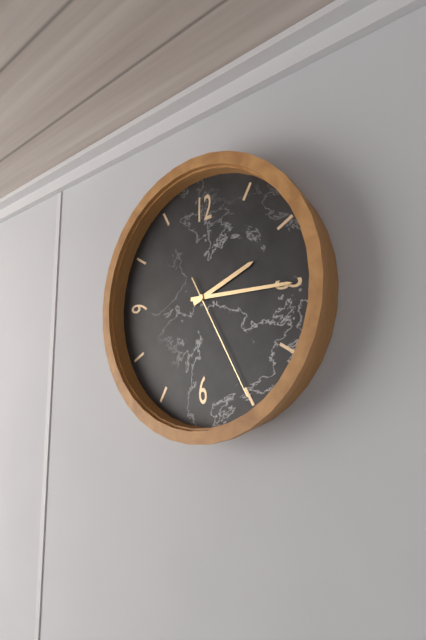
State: 2 h 15 min 25 s
